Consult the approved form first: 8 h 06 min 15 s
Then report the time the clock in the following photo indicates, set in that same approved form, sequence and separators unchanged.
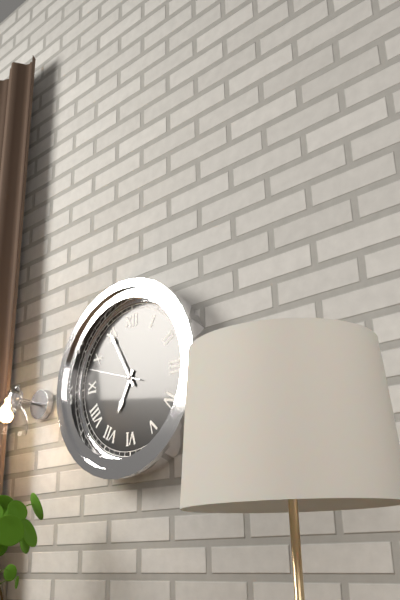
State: 6 h 55 min 48 s
